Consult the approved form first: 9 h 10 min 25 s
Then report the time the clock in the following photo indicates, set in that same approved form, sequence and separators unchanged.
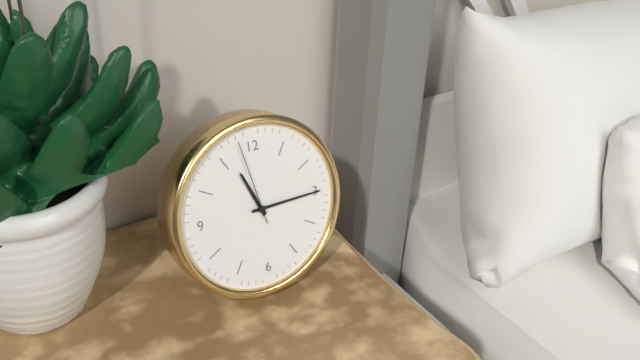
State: 11 h 15 min 58 s
